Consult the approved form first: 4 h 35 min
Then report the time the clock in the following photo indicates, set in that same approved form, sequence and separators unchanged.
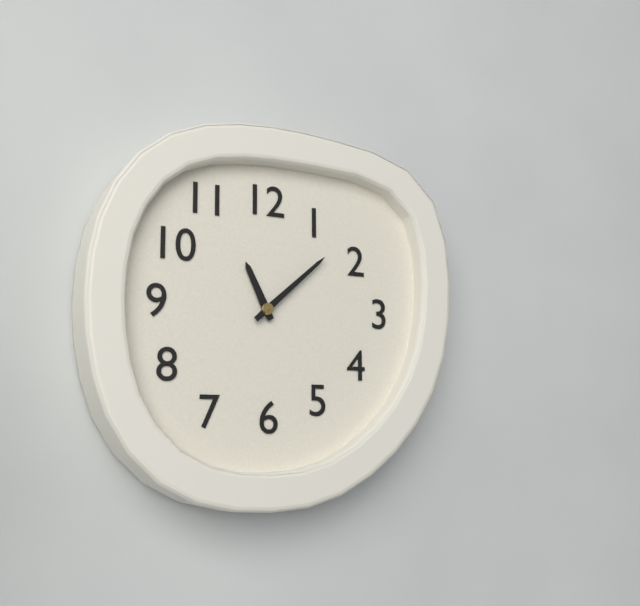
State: 11 h 08 min
